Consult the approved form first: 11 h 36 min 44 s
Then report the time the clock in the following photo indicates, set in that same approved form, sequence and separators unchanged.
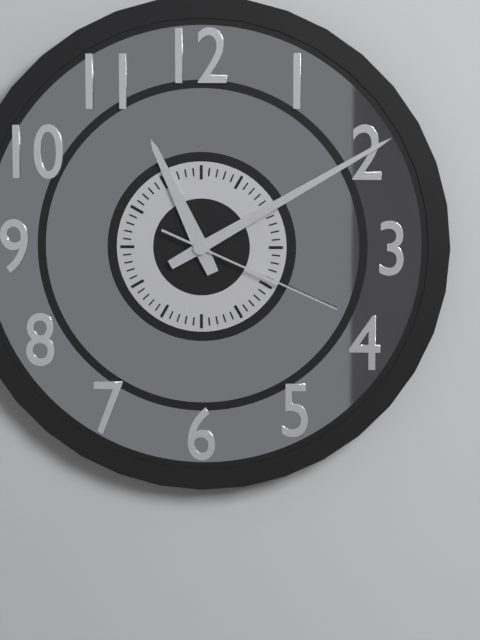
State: 11 h 10 min 19 s
